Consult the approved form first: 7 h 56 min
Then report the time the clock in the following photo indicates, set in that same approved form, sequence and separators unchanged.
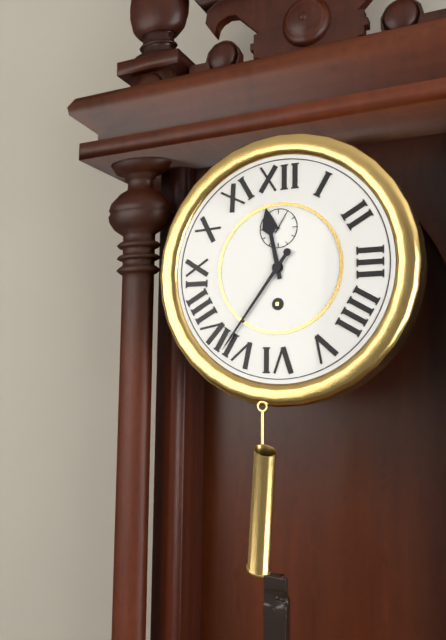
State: 11 h 36 min
